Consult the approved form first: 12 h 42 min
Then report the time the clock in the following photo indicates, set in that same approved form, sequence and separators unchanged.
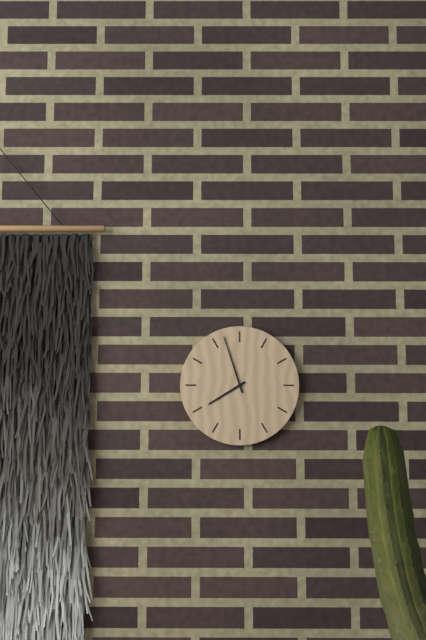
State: 7 h 57 min
